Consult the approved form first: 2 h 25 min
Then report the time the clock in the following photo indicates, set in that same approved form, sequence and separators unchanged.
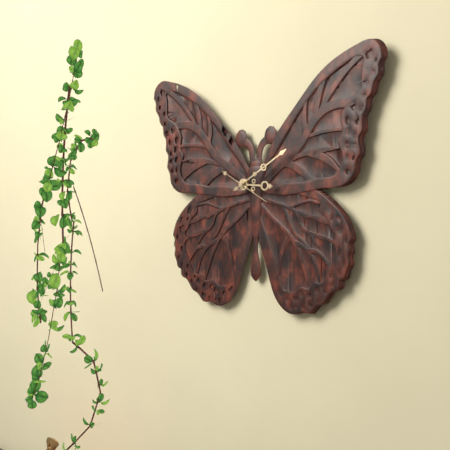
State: 3 h 10 min
